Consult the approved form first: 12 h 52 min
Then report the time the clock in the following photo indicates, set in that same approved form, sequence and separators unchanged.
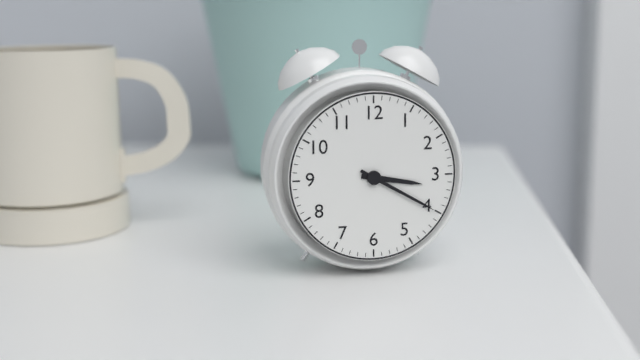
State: 3 h 20 min
